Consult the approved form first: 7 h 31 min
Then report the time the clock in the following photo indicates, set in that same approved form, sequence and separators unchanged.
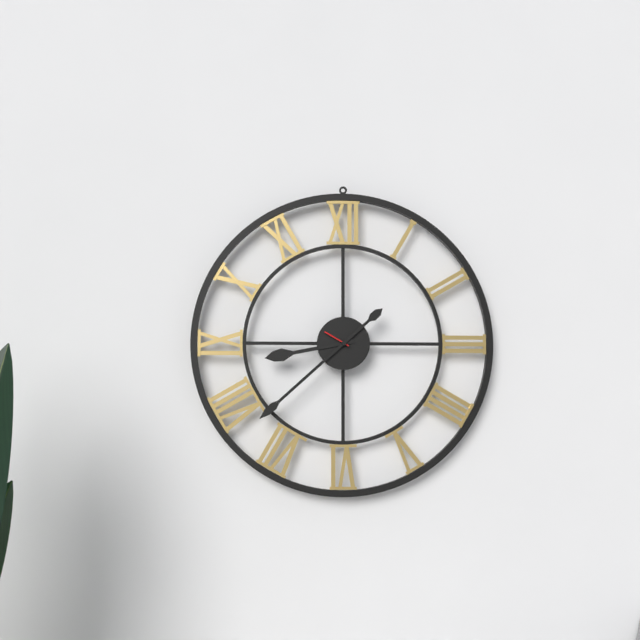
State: 8 h 38 min
